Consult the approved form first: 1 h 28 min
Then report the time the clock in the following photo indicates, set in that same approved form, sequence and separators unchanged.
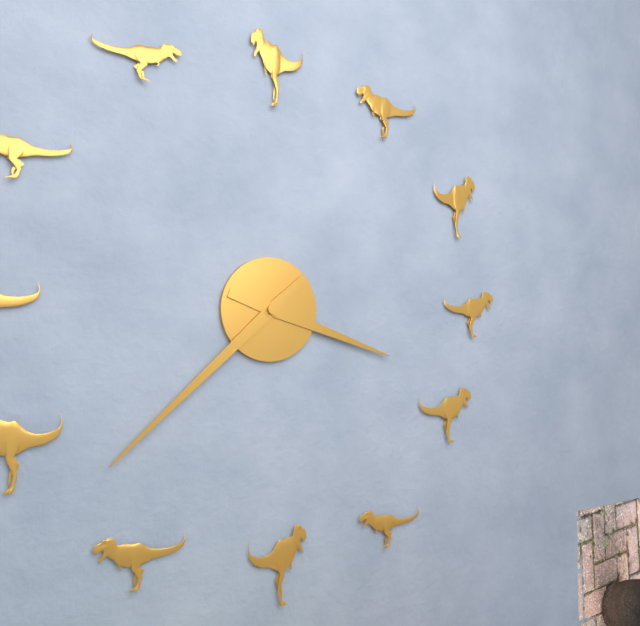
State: 3 h 38 min
